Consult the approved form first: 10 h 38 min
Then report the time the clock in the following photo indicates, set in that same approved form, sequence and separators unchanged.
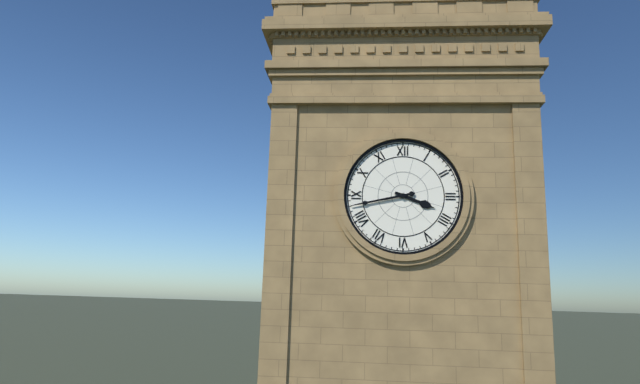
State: 3 h 43 min
